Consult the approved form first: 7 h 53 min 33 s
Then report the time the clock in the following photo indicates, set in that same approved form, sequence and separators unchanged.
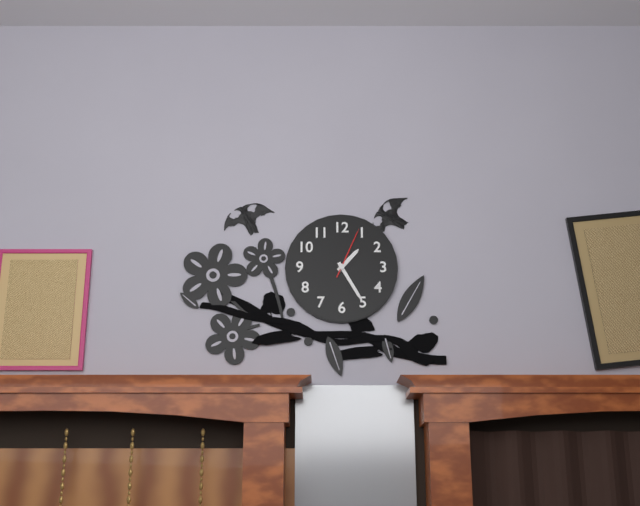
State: 1 h 25 min 04 s
